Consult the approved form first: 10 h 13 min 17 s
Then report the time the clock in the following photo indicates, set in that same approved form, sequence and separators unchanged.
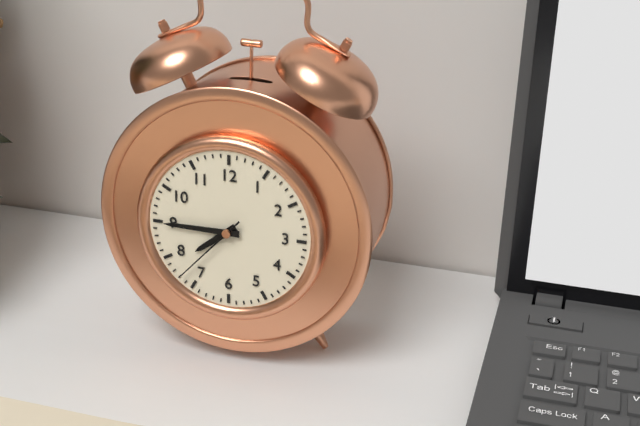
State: 7 h 45 min 37 s
